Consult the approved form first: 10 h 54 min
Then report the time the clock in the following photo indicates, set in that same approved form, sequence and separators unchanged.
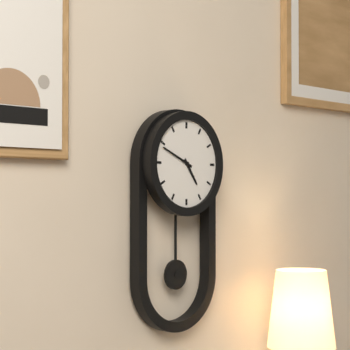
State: 4 h 49 min
